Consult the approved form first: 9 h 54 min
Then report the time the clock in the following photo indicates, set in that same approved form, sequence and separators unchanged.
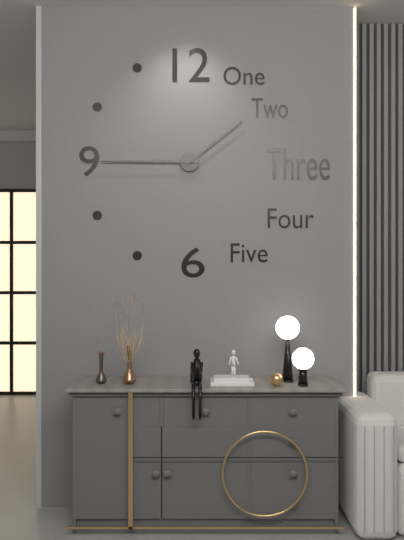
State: 1 h 45 min
